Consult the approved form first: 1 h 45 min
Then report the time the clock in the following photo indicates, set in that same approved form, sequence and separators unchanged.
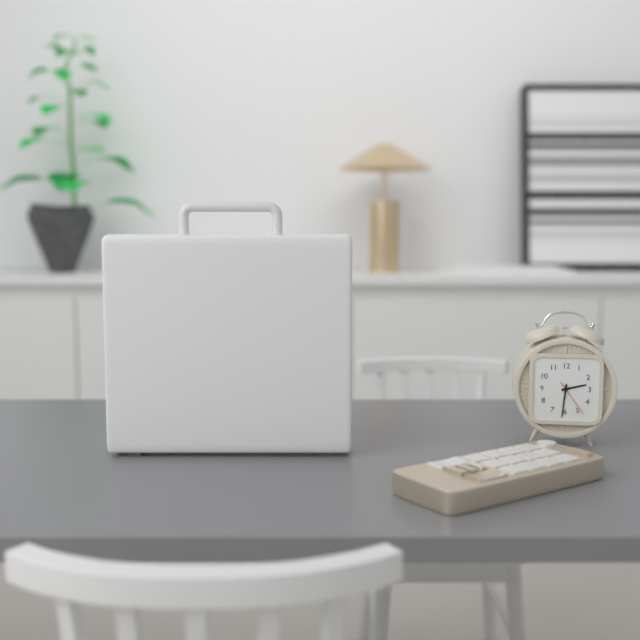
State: 2 h 31 min
